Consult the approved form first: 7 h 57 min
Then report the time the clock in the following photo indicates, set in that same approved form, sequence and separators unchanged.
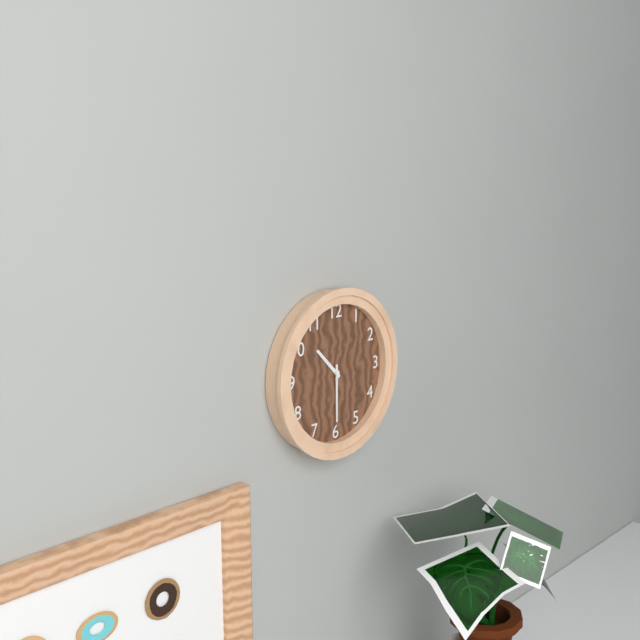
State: 10 h 30 min
